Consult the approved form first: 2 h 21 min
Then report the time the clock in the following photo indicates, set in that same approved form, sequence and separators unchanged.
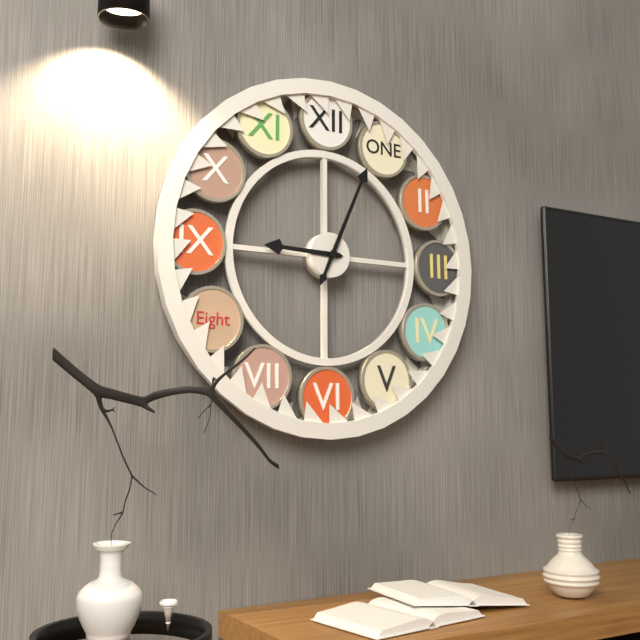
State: 9 h 04 min
